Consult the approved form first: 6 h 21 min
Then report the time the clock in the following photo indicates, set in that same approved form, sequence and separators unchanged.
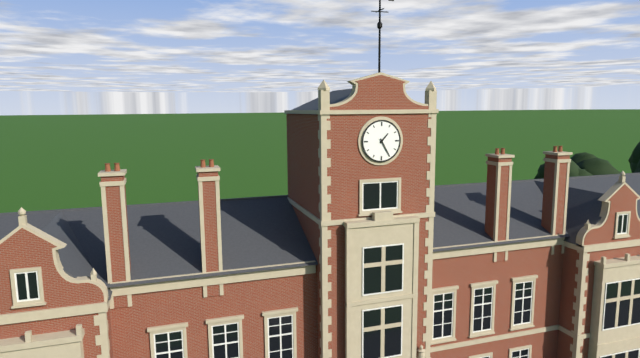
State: 1 h 25 min
